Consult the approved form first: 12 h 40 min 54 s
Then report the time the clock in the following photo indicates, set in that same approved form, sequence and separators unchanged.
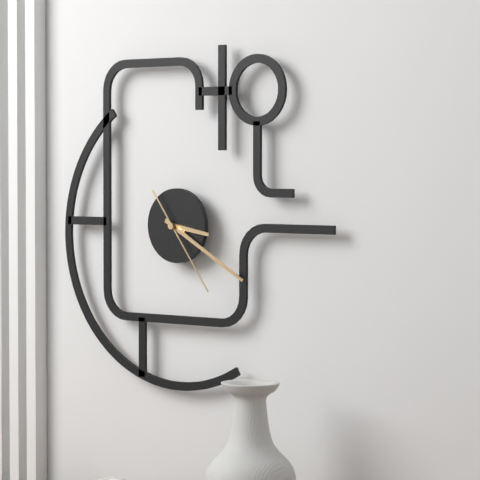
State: 3 h 20 min 24 s
